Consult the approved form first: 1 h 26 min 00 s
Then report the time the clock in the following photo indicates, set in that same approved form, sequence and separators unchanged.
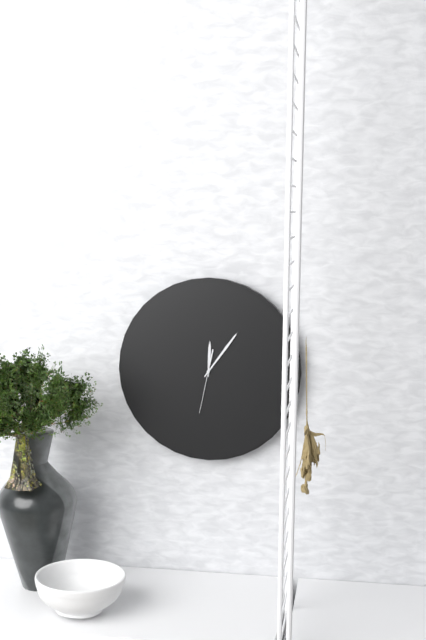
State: 12 h 06 min 32 s
